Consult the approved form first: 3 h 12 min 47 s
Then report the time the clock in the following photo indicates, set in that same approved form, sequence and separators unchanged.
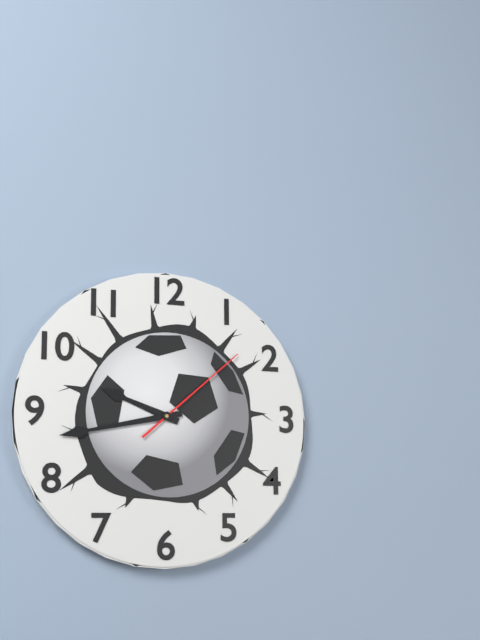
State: 9 h 43 min 08 s
